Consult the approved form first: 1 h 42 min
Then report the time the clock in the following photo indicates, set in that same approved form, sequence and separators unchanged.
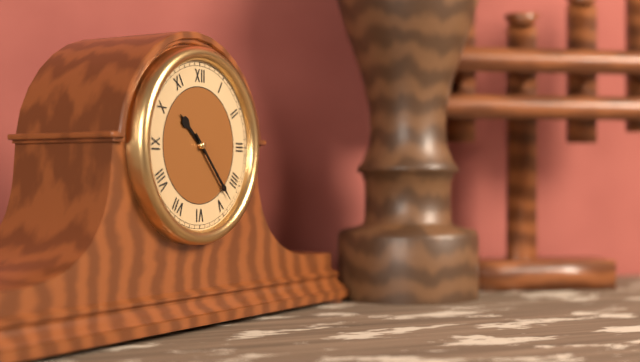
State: 10 h 23 min
